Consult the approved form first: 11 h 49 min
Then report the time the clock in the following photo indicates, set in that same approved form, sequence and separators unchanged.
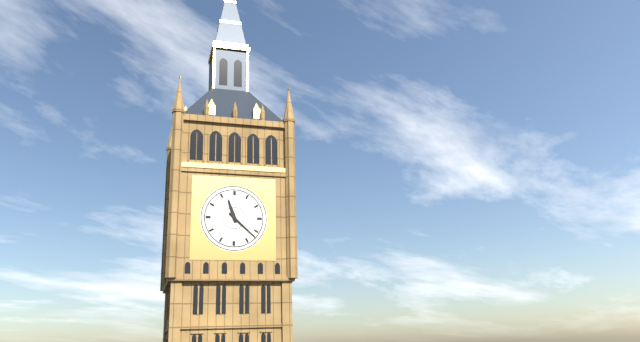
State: 11 h 22 min
